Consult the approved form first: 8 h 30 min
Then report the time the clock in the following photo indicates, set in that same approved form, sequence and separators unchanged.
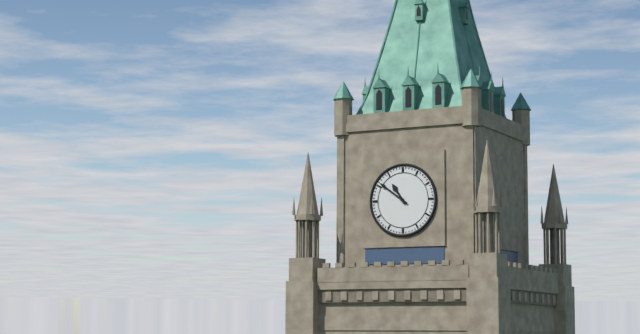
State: 10 h 51 min
